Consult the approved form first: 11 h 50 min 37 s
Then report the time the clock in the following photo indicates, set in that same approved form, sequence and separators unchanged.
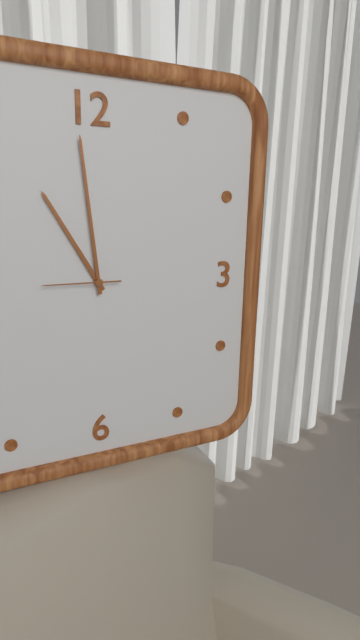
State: 10 h 59 min 45 s
